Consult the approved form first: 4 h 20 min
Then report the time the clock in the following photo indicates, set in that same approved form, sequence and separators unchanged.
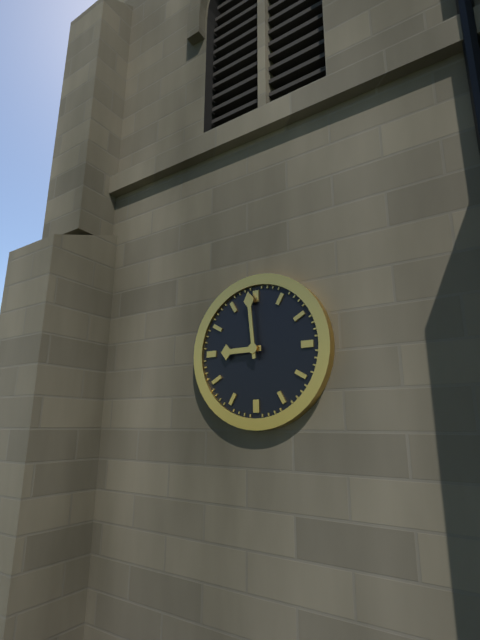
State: 8 h 59 min
